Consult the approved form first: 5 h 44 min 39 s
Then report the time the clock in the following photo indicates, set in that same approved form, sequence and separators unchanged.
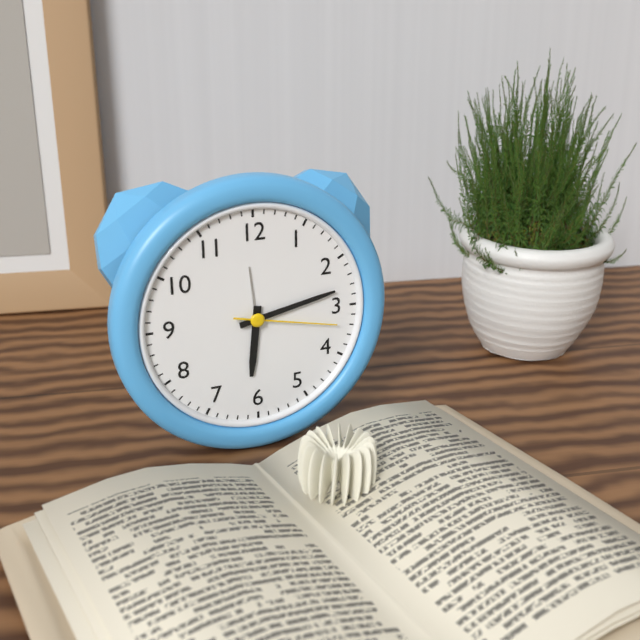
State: 6 h 13 min 17 s
